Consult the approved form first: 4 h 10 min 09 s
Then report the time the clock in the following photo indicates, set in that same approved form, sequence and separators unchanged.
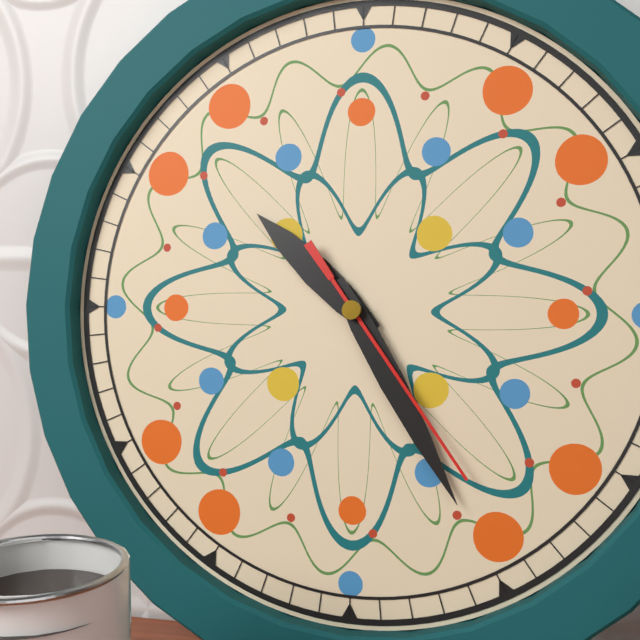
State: 10 h 25 min 24 s
